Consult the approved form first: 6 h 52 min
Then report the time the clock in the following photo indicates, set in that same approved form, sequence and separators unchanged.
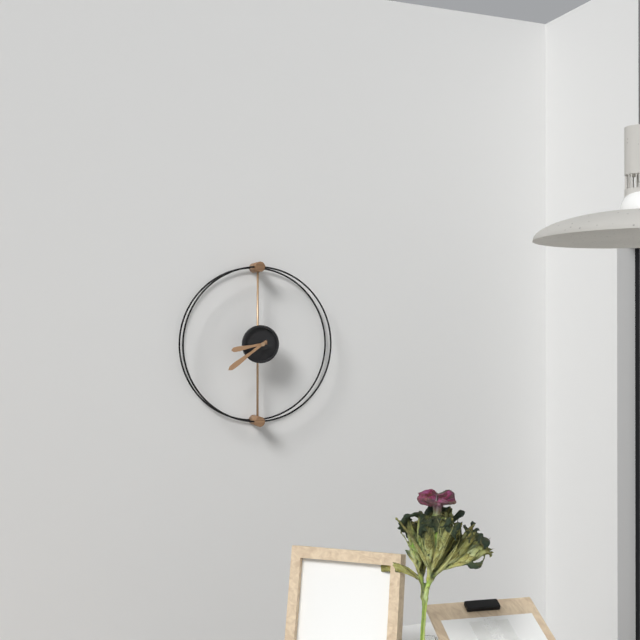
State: 8 h 39 min
